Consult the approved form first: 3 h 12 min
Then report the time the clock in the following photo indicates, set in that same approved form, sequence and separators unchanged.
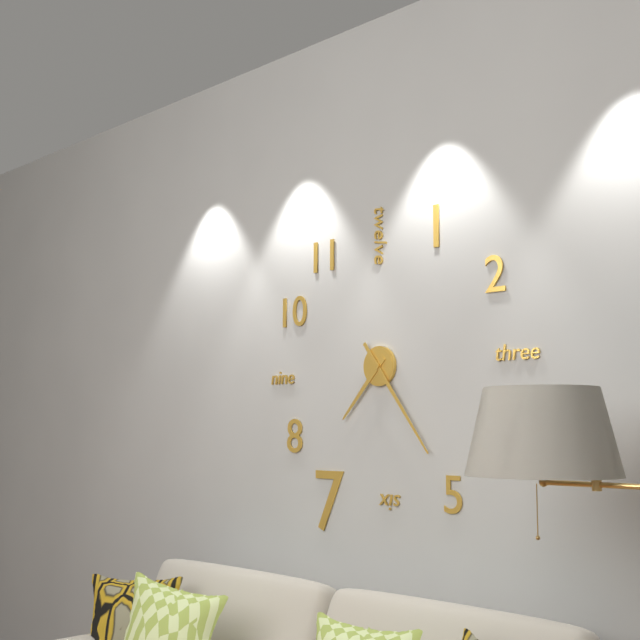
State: 7 h 24 min
